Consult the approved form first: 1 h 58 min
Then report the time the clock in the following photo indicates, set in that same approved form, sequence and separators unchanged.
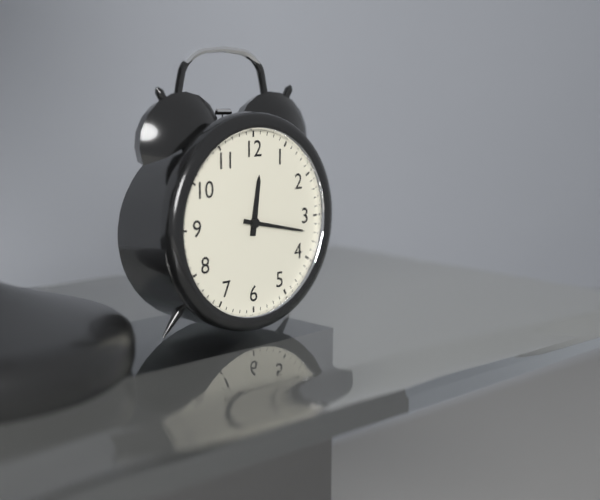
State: 12 h 17 min
